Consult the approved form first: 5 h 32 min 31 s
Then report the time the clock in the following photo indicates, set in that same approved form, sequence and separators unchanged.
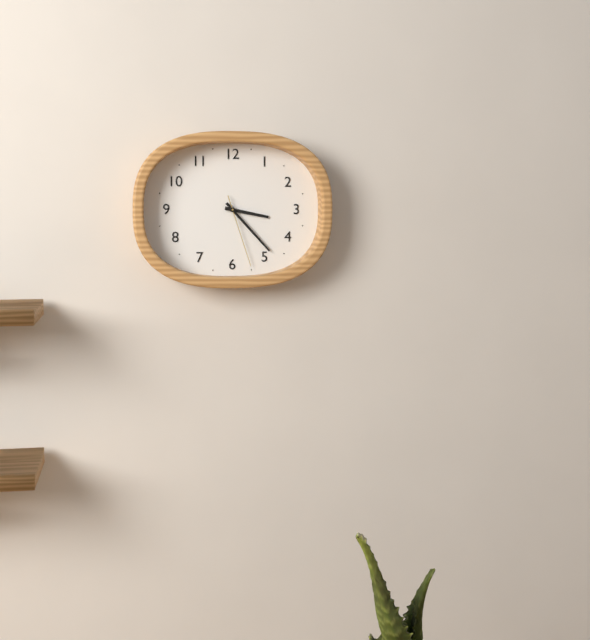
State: 3 h 23 min 27 s
